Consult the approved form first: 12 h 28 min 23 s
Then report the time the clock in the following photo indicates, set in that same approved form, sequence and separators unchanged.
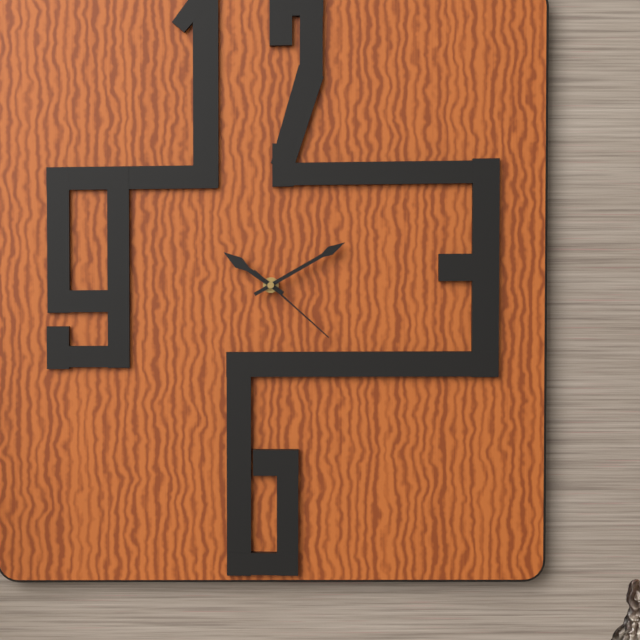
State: 10 h 10 min 22 s
